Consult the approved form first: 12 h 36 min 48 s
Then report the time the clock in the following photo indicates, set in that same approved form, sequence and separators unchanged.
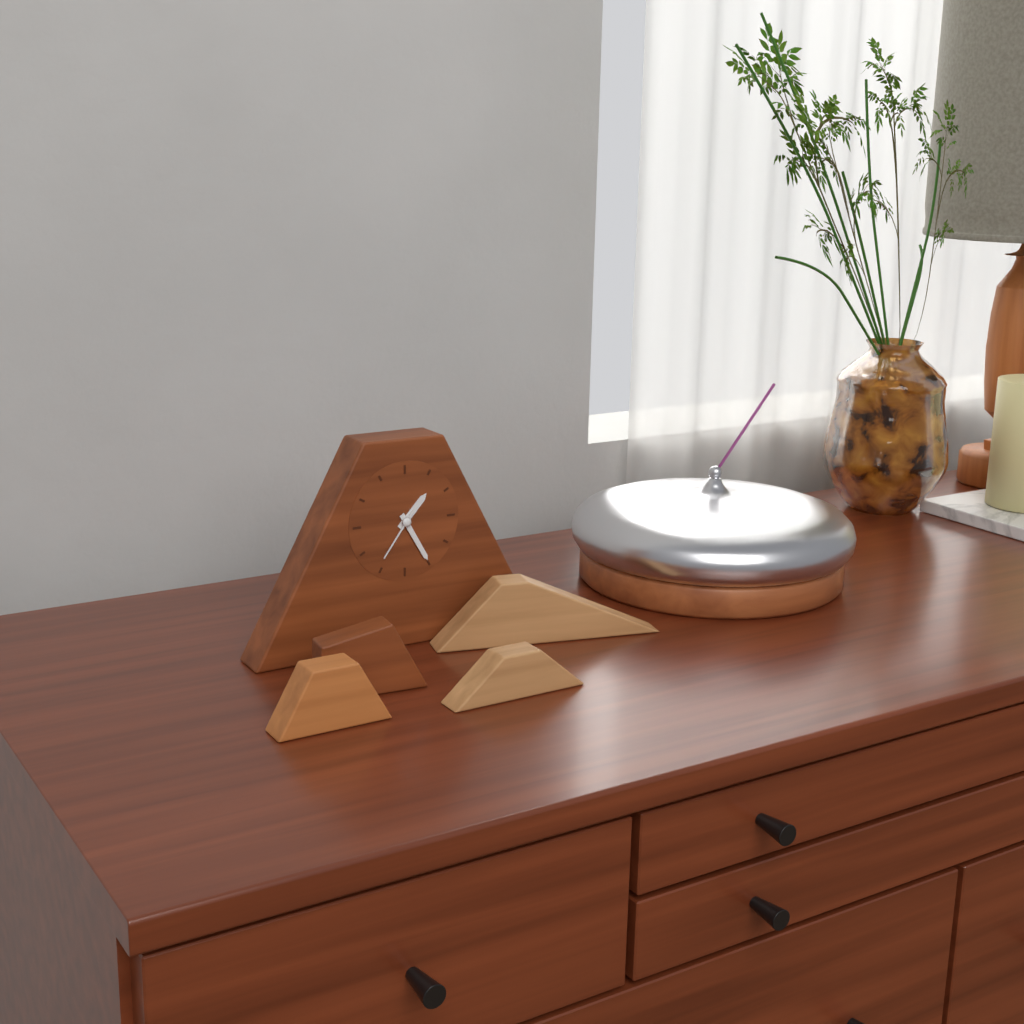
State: 1 h 25 min 36 s
